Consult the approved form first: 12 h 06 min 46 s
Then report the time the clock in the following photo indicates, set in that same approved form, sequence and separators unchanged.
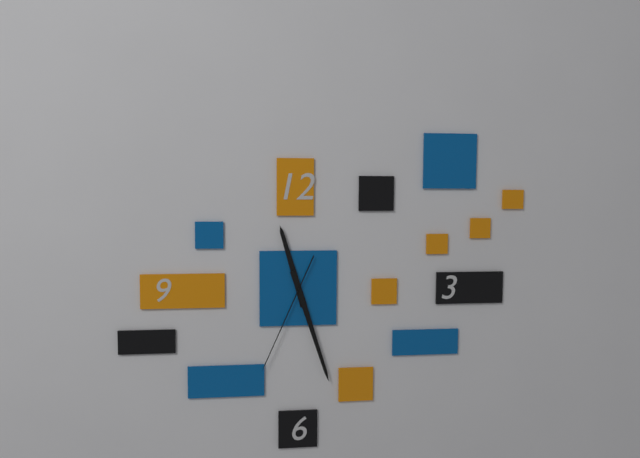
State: 11 h 27 min 34 s
